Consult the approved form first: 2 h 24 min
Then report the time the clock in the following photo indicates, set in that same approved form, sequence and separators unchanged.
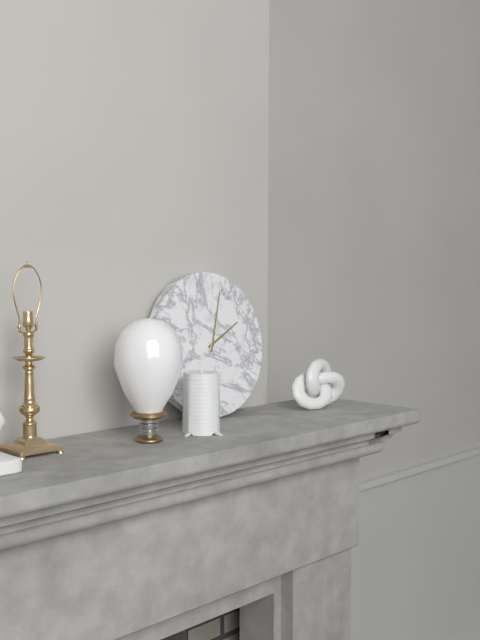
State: 2 h 03 min
